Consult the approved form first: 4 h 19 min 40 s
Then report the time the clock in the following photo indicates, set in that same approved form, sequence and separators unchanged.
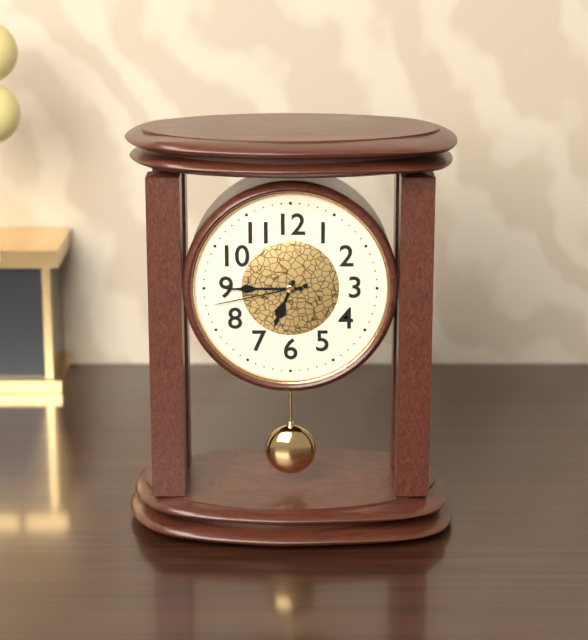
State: 6 h 45 min 43 s
